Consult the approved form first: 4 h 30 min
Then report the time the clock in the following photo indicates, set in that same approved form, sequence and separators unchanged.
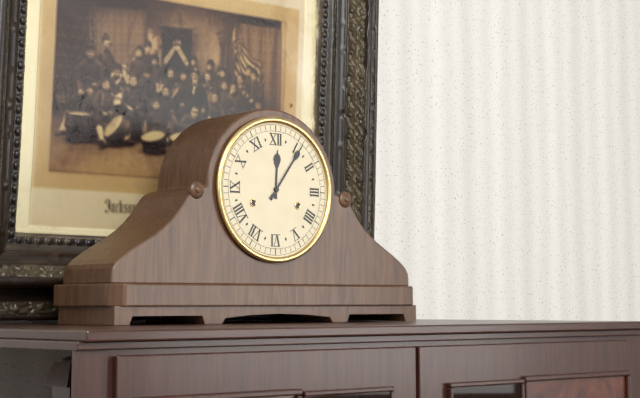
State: 12 h 06 min
